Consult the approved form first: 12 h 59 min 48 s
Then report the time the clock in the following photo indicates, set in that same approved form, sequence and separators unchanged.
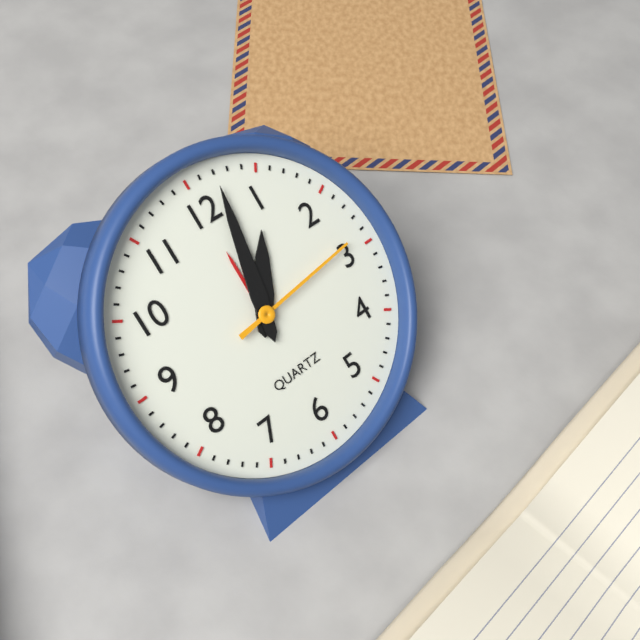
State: 1 h 02 min 14 s
